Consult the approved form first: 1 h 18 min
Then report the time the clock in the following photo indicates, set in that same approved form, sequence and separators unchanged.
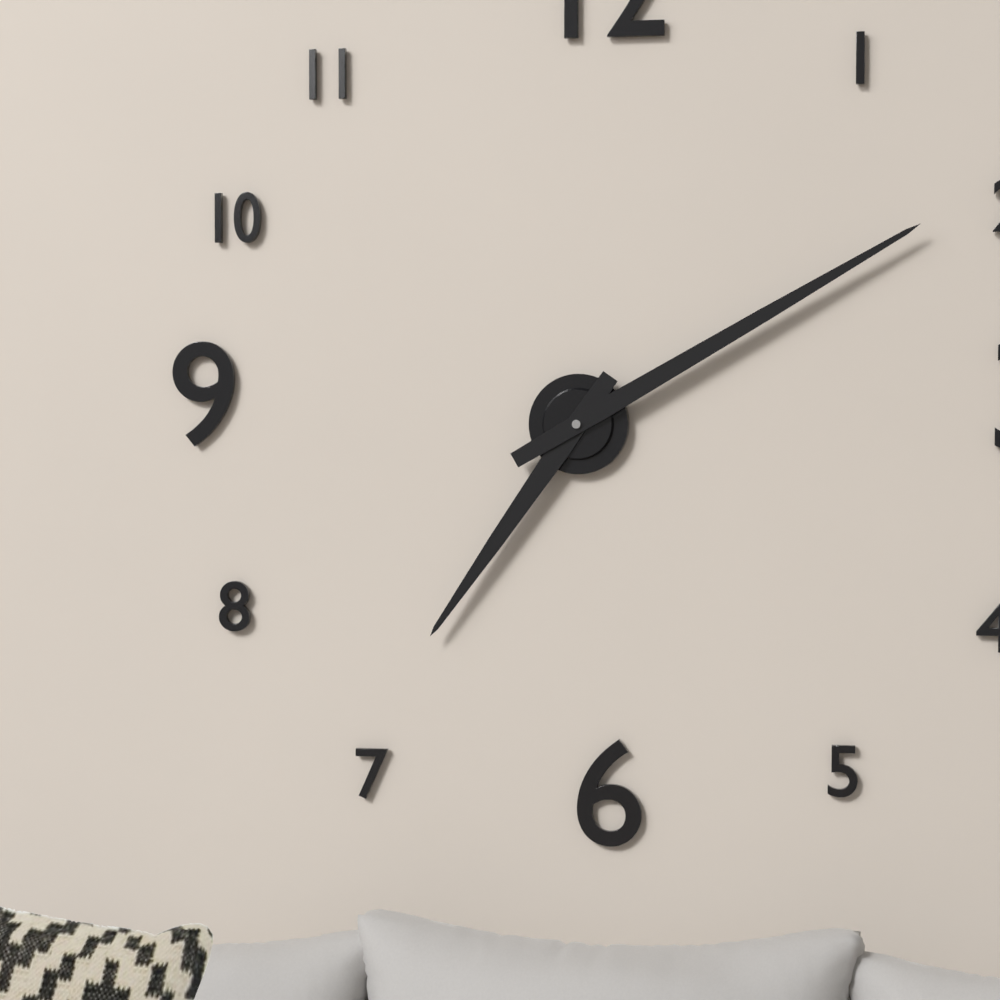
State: 7 h 10 min
